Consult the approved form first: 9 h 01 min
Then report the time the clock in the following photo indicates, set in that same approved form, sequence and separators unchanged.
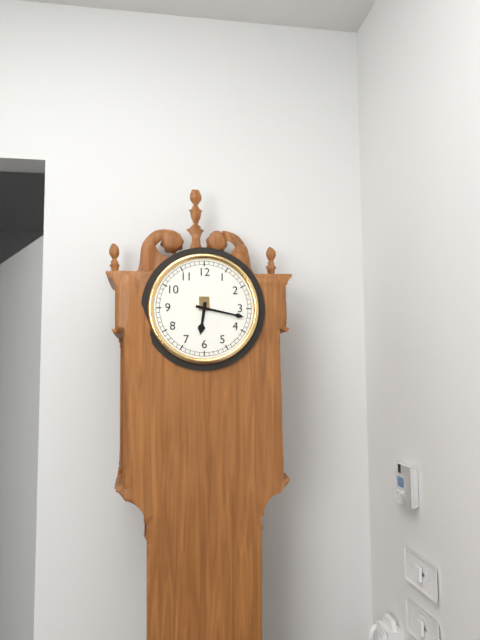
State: 6 h 17 min
